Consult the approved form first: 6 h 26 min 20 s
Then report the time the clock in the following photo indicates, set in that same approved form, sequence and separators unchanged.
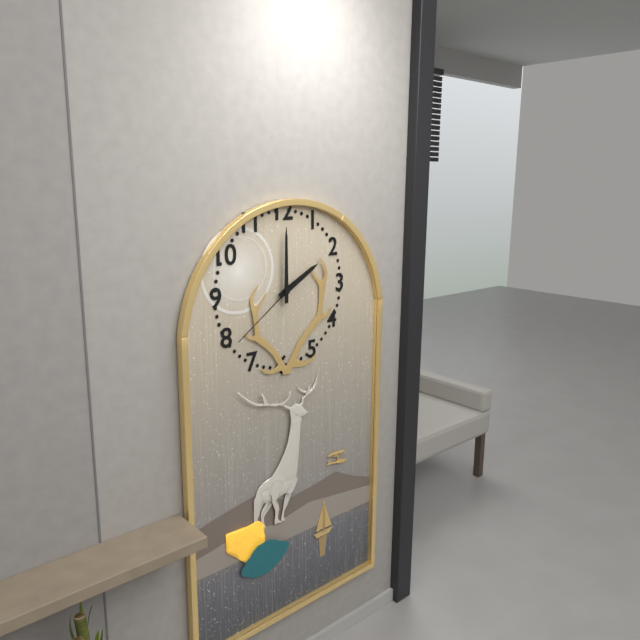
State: 2 h 00 min 39 s
